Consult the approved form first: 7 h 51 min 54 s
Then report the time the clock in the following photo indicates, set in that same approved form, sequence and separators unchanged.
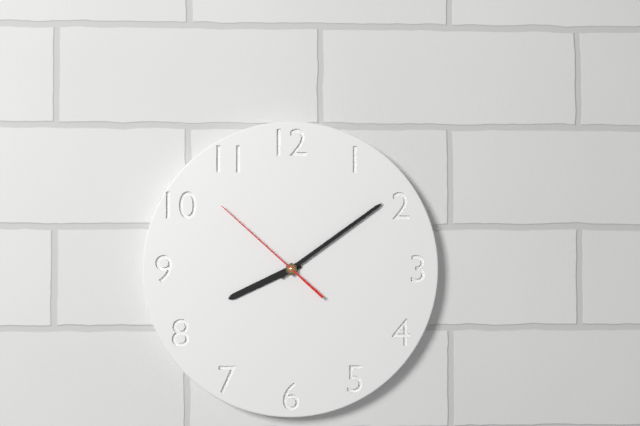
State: 8 h 09 min 52 s
